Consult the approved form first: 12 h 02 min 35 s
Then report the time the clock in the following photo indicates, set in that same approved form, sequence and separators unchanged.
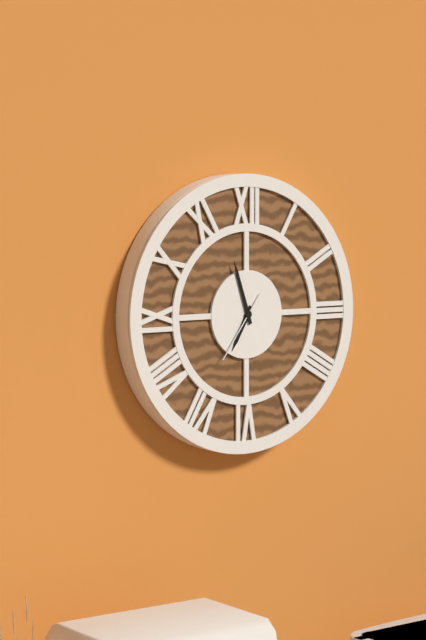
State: 6 h 57 min 36 s
